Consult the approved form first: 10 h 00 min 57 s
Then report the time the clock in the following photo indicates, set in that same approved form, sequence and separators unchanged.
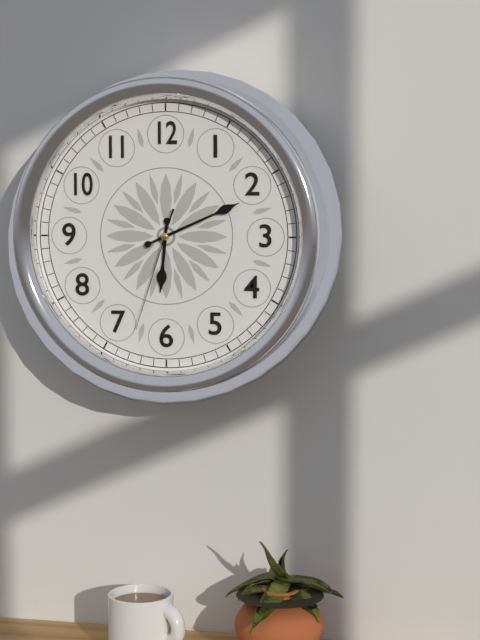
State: 6 h 11 min 33 s
